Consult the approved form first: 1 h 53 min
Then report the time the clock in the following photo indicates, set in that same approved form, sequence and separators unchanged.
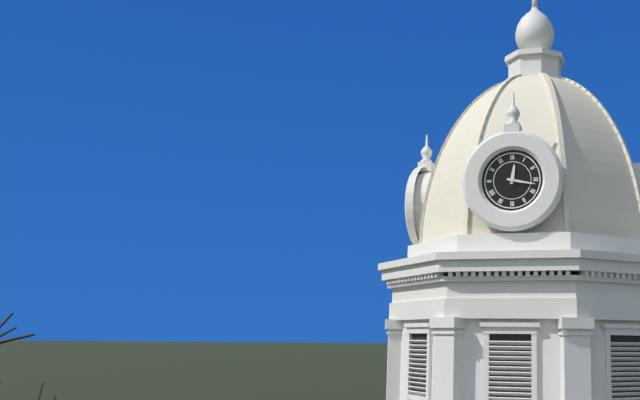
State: 12 h 17 min
